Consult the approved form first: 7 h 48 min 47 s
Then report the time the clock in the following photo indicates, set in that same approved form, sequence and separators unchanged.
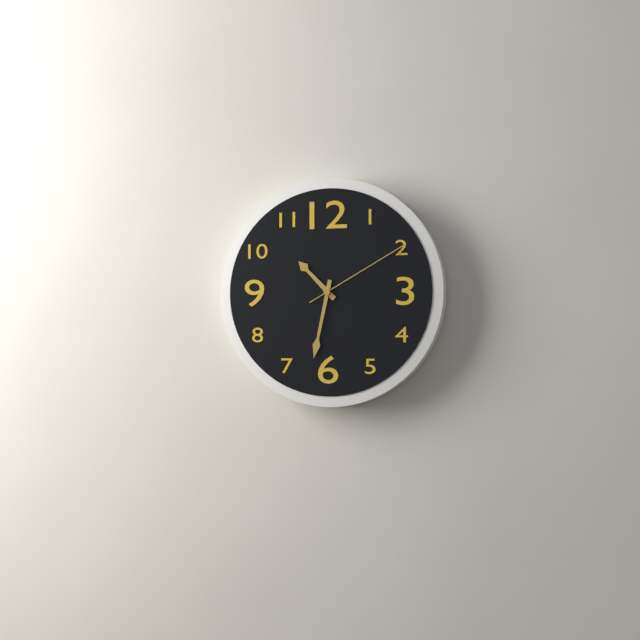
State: 10 h 32 min 10 s
